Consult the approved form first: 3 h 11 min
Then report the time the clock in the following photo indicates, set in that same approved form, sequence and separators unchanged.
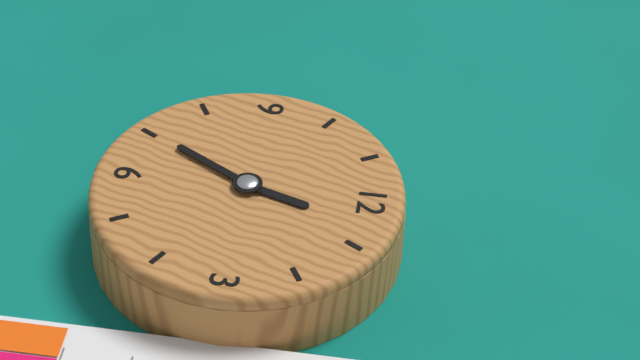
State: 12 h 35 min
